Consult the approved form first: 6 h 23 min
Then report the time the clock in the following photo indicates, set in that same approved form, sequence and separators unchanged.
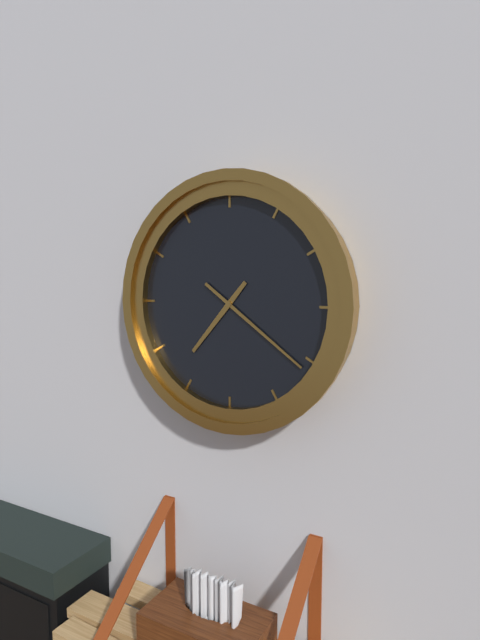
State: 7 h 21 min
